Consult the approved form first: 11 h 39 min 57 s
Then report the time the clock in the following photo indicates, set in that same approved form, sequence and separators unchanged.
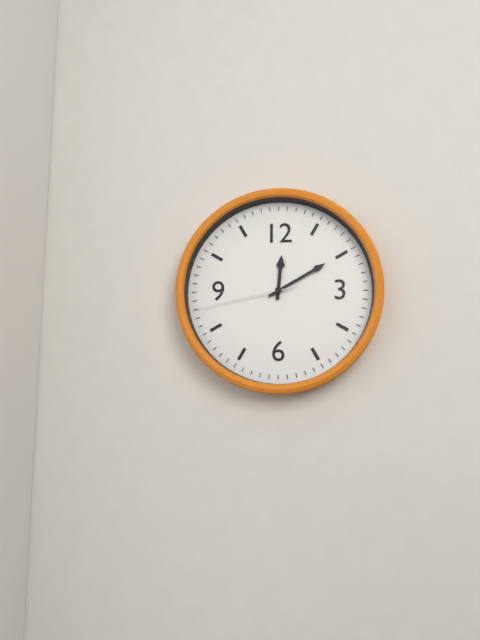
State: 12 h 10 min 43 s
